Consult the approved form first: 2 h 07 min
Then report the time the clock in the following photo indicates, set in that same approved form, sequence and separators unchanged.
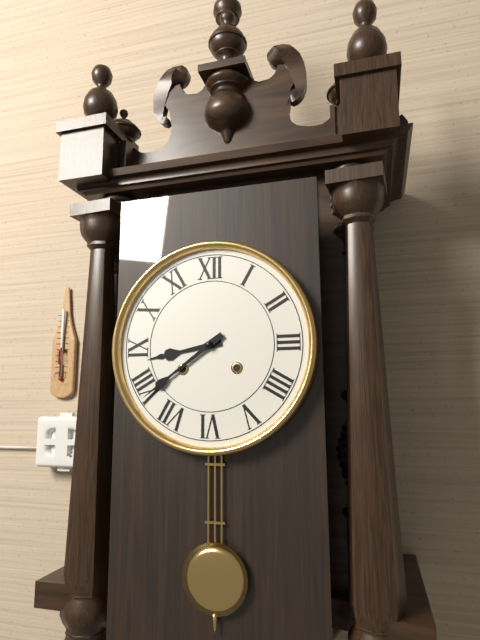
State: 8 h 39 min
